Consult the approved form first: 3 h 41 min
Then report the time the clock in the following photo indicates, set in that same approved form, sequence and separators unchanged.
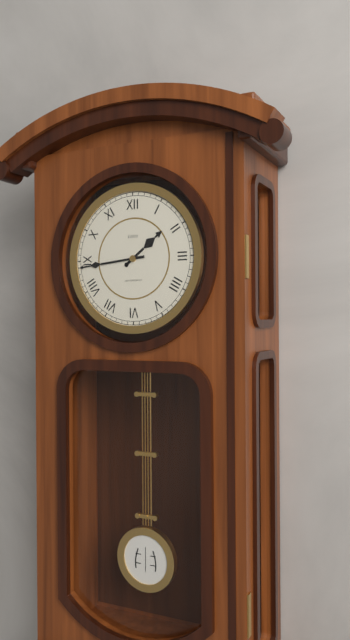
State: 1 h 44 min
